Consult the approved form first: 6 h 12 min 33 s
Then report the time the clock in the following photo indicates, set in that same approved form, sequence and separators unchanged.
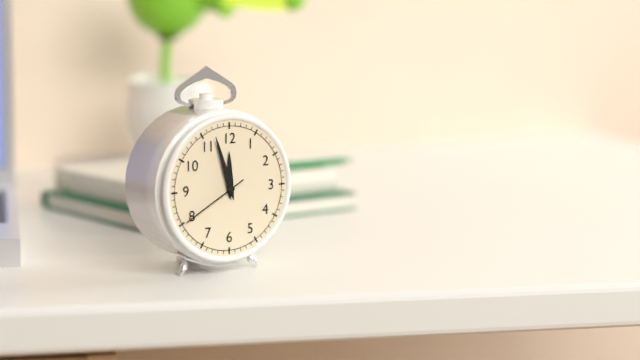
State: 11 h 57 min 40 s
